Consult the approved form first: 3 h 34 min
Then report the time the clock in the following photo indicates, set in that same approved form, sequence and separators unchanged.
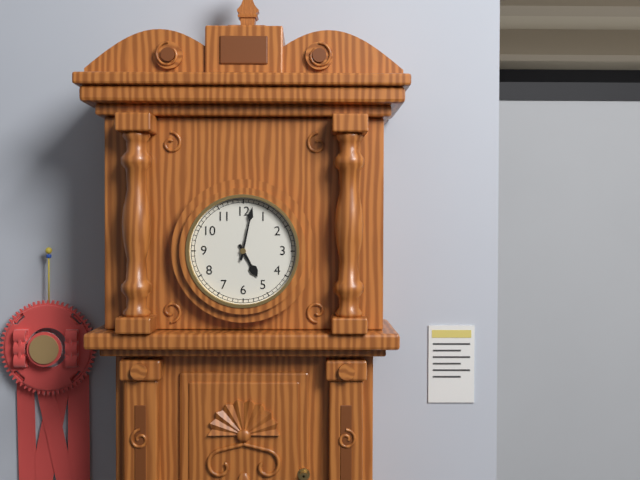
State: 5 h 02 min
